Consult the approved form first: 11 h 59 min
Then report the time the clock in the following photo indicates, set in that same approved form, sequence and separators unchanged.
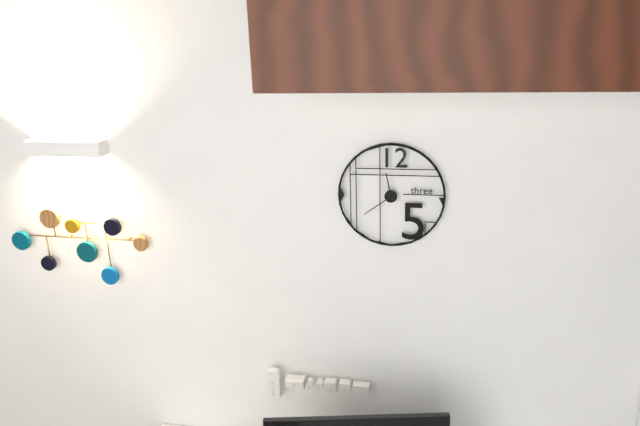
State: 11 h 39 min
